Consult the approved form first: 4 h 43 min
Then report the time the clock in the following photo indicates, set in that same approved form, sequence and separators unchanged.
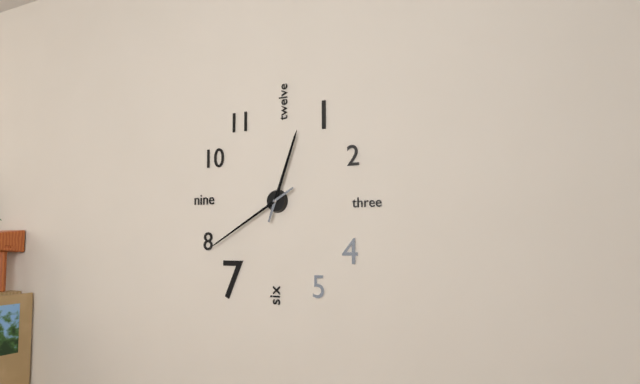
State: 12 h 40 min
